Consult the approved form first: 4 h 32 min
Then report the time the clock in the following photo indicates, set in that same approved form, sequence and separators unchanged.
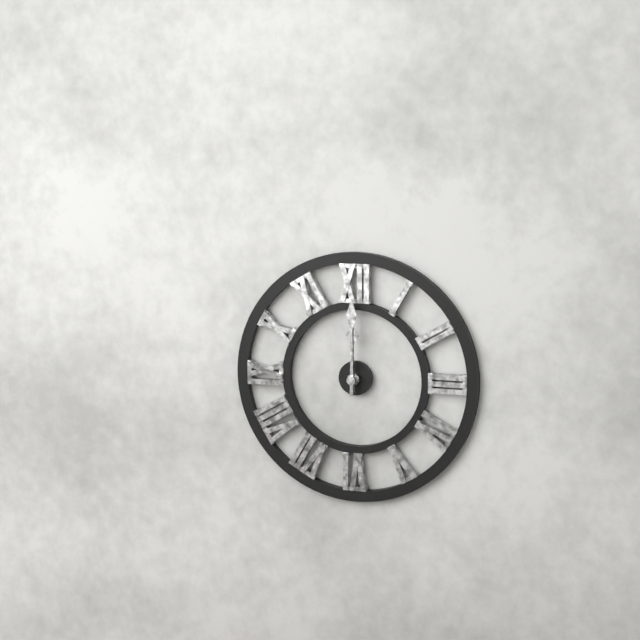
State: 12 h 00 min
